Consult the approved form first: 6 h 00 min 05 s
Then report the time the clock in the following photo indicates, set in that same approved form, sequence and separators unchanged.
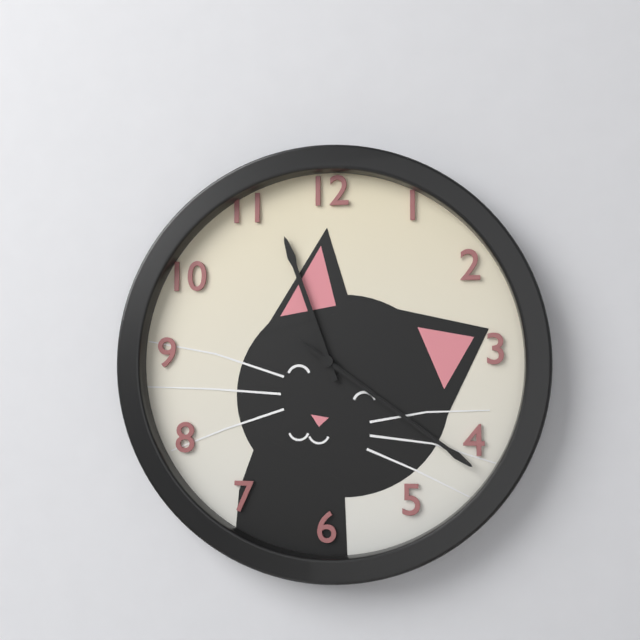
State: 11 h 21 min 21 s
